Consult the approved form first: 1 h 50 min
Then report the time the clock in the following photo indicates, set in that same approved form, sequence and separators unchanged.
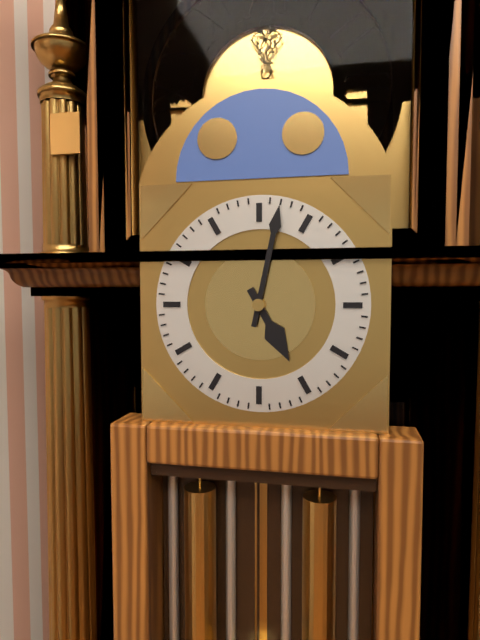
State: 5 h 02 min
